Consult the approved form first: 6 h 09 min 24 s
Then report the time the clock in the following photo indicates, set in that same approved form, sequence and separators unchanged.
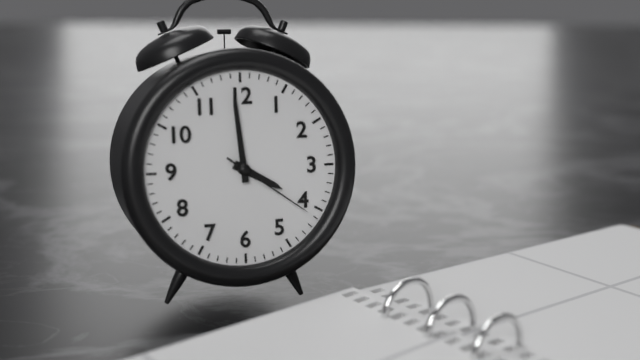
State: 3 h 59 min 21 s
